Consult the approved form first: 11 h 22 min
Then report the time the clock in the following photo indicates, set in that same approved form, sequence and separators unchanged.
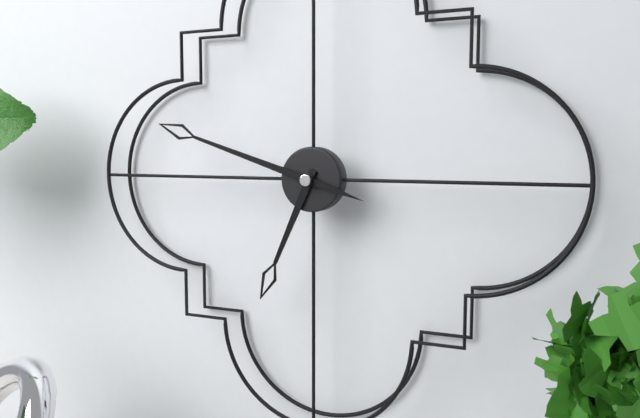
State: 6 h 48 min
